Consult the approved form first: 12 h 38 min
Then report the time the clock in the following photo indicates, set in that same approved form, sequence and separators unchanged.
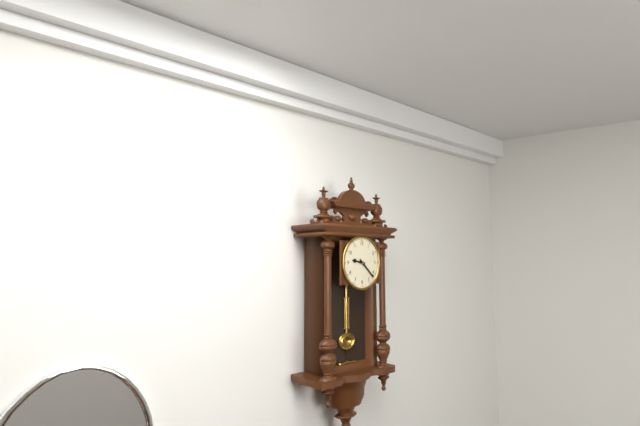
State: 9 h 22 min
